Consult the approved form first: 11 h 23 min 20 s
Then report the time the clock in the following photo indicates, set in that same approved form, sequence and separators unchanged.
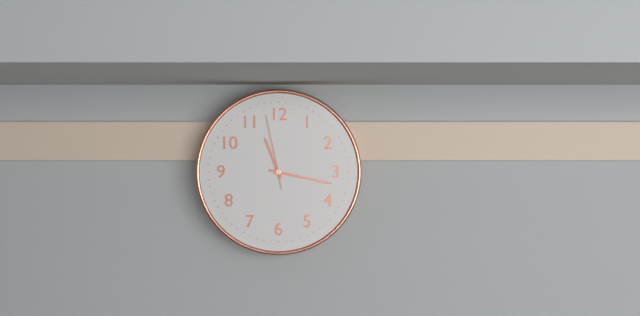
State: 11 h 17 min 58 s
